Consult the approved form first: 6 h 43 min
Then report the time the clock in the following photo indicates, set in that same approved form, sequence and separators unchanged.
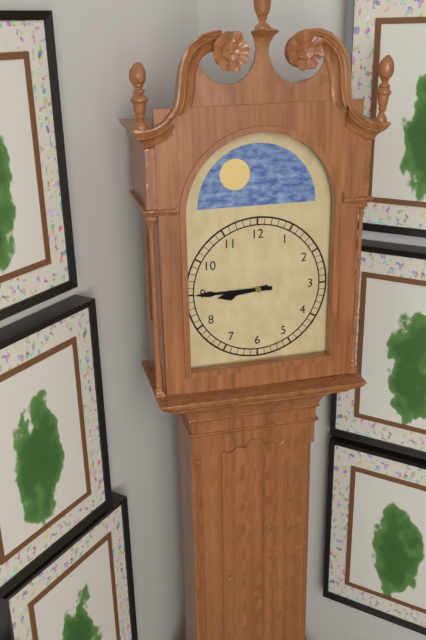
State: 8 h 45 min
